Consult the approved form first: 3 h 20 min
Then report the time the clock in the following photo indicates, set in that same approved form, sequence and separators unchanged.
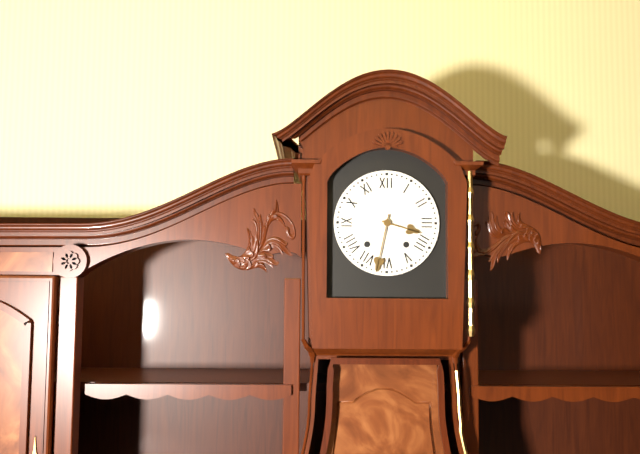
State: 3 h 32 min
